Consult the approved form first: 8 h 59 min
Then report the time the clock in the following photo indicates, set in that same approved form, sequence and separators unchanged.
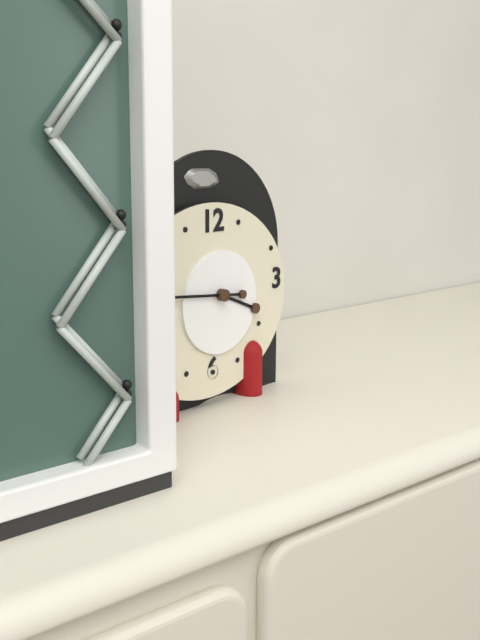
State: 3 h 46 min
